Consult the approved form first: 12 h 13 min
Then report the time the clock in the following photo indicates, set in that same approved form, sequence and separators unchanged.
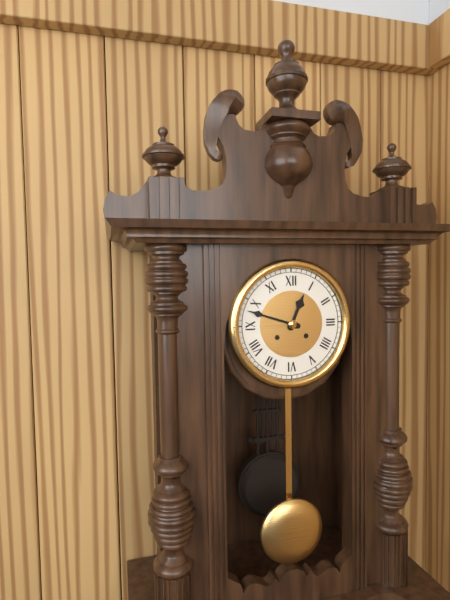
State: 12 h 48 min
